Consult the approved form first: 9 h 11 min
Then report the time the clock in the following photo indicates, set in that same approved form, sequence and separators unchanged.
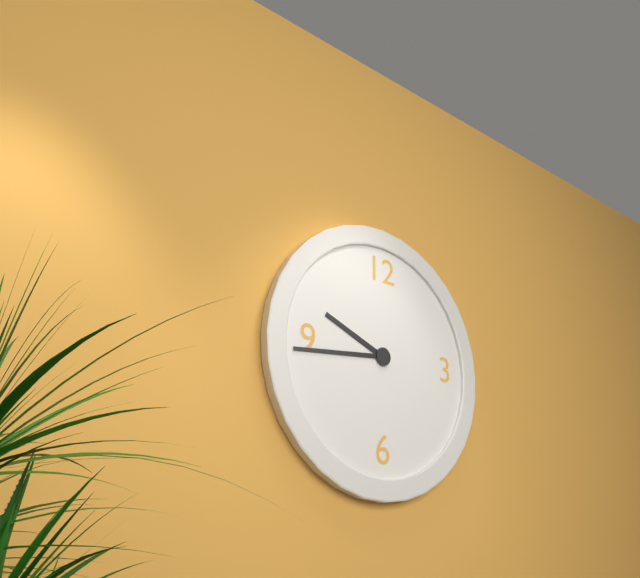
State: 9 h 44 min
